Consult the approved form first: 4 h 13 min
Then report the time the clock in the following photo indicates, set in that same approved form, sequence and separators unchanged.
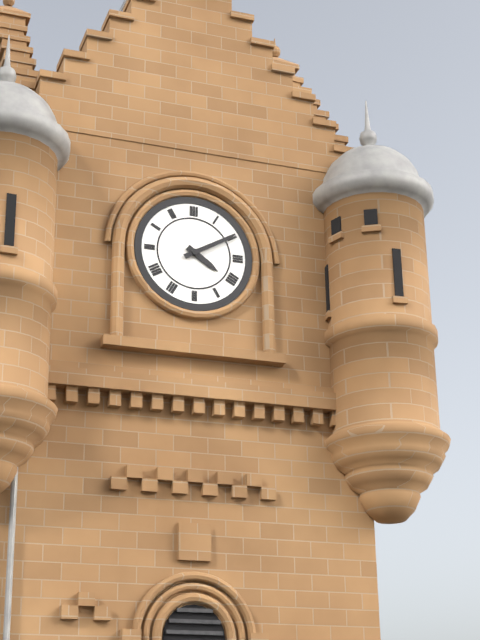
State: 4 h 10 min
